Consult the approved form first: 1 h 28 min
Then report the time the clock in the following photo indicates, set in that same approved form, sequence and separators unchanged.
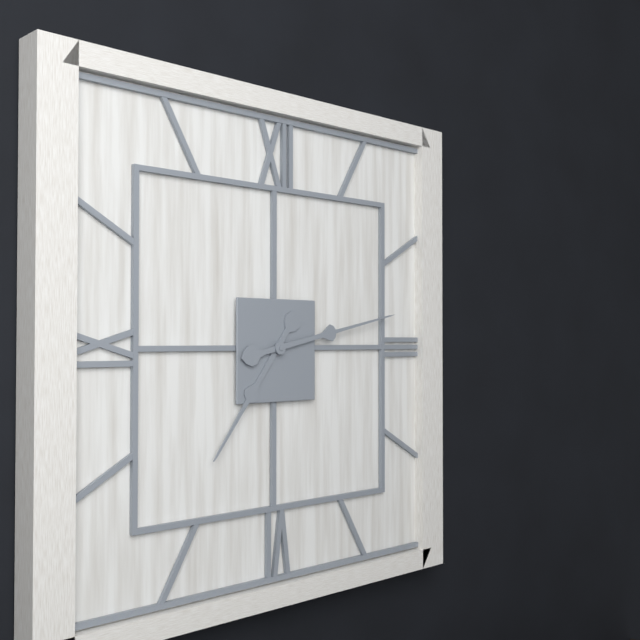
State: 7 h 13 min
